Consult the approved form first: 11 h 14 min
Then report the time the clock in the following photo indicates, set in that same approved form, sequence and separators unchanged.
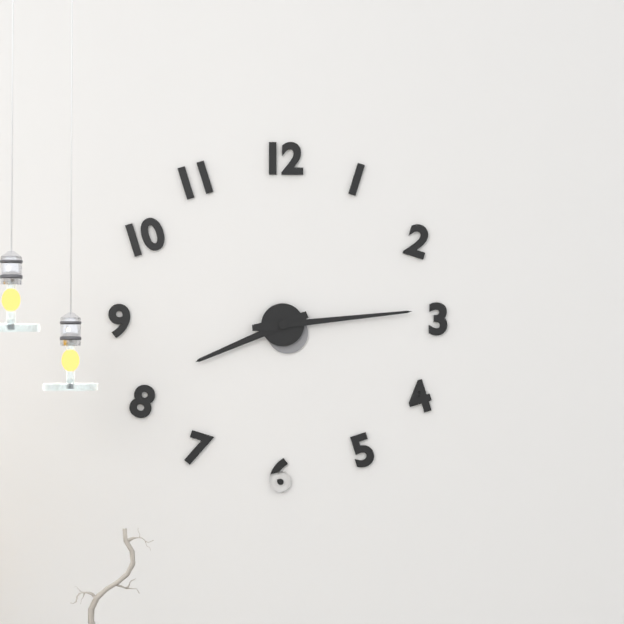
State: 8 h 14 min
